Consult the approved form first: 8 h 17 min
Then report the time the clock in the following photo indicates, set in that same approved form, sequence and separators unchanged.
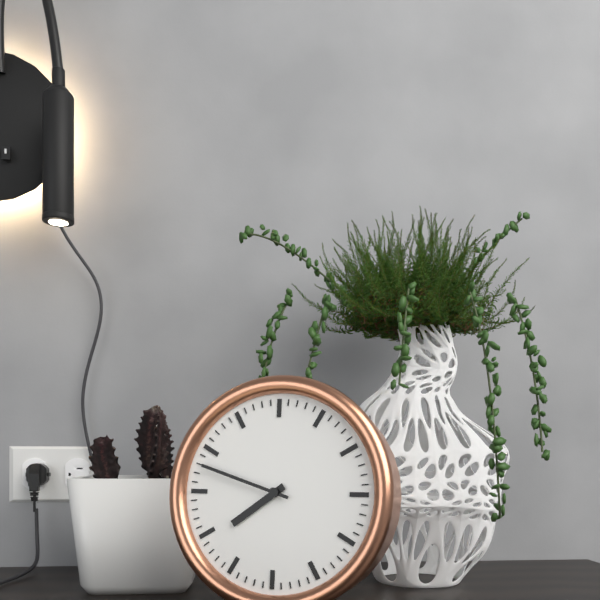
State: 7 h 48 min
